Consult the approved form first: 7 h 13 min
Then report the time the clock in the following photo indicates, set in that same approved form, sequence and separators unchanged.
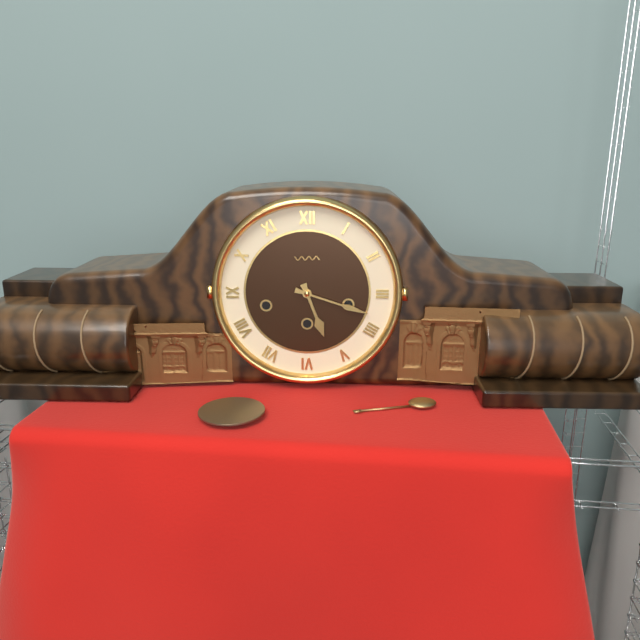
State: 5 h 18 min
